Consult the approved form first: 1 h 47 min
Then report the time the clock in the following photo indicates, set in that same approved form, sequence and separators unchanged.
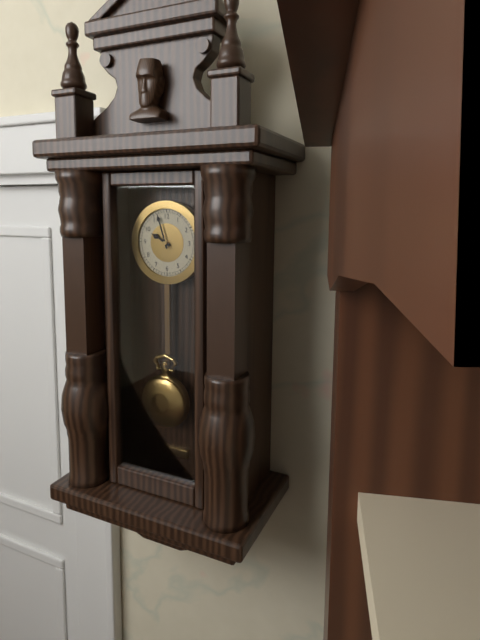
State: 9 h 57 min
